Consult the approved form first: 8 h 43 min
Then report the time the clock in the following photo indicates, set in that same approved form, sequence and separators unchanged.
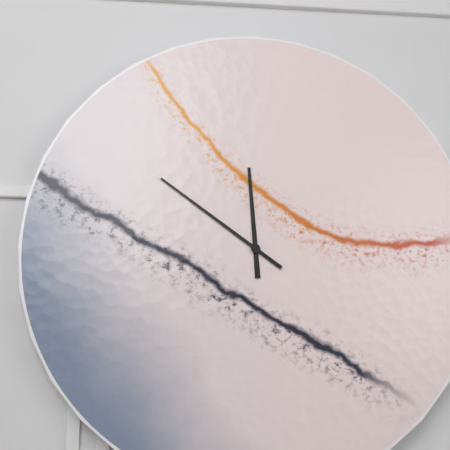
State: 11 h 51 min
